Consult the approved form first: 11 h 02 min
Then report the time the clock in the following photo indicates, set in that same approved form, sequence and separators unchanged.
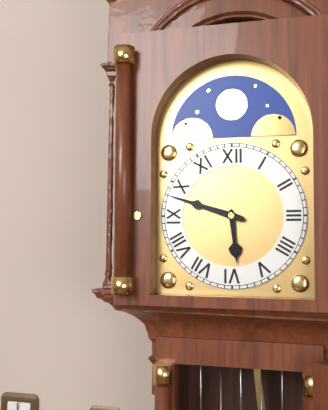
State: 5 h 48 min
